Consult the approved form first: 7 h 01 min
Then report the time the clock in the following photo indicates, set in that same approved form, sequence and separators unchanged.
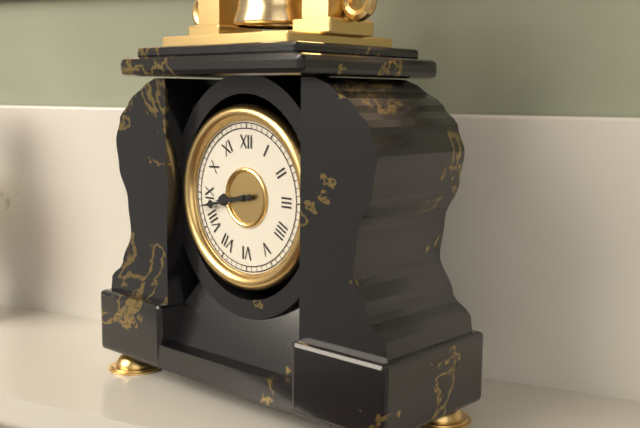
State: 8 h 43 min
